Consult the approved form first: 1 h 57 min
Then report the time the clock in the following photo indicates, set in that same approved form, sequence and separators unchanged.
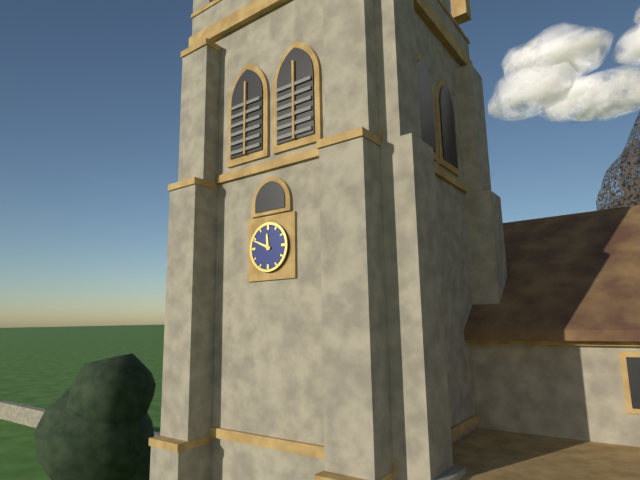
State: 11 h 49 min
